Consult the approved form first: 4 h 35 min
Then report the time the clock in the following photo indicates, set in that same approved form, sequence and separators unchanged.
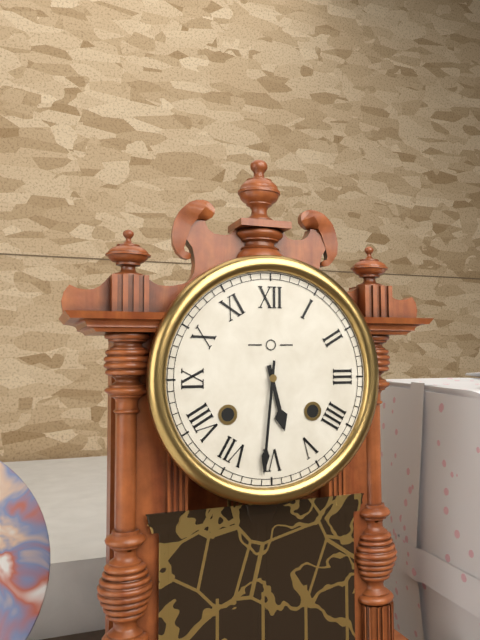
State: 5 h 31 min
